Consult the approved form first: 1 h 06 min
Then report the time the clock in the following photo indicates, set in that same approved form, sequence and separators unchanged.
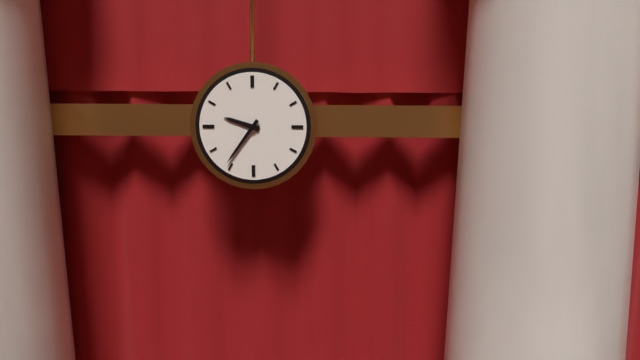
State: 9 h 36 min
